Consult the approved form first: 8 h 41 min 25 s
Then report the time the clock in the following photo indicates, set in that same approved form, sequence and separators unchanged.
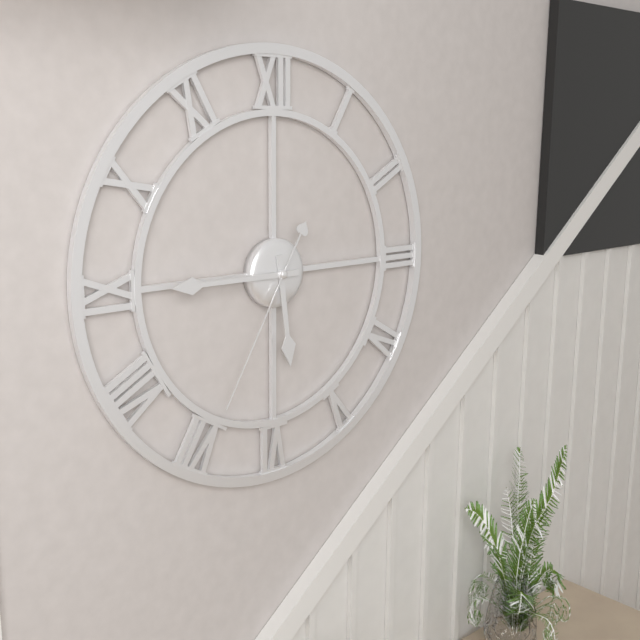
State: 5 h 45 min 35 s
